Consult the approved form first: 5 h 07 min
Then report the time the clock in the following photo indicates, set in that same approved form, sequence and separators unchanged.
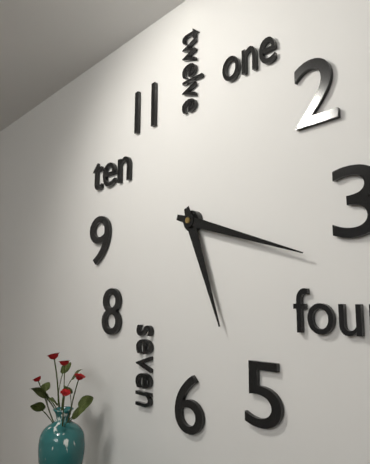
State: 5 h 18 min
